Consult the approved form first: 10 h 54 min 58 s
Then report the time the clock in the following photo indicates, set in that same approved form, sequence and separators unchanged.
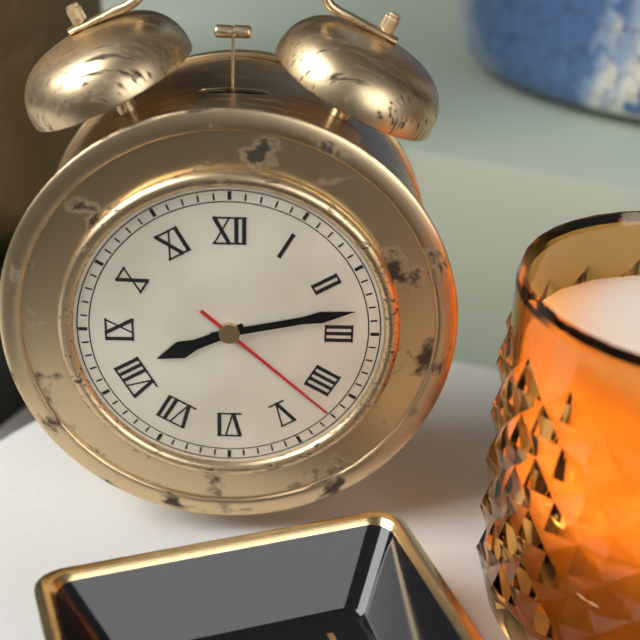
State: 8 h 13 min 22 s
